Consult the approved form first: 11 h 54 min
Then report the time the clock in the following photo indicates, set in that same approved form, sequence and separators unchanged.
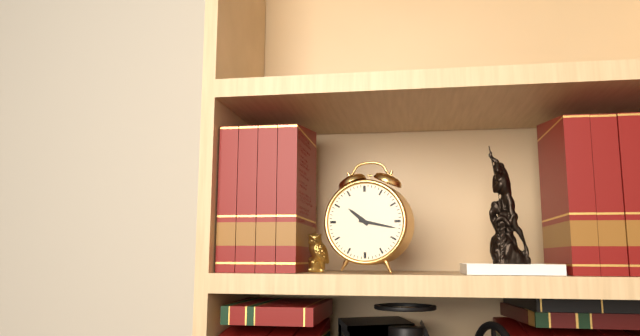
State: 10 h 17 min
